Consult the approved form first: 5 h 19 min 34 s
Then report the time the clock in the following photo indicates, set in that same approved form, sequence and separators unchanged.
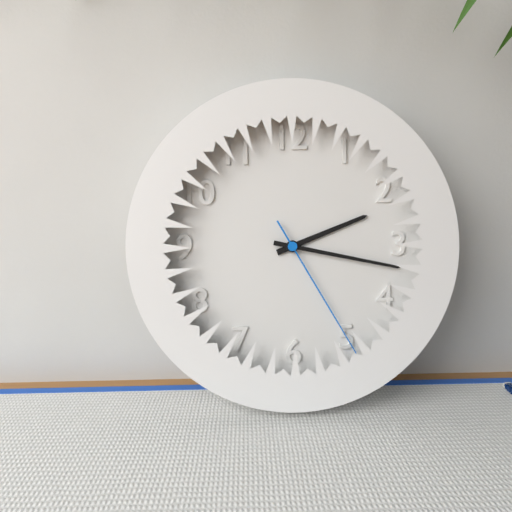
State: 2 h 17 min 25 s
